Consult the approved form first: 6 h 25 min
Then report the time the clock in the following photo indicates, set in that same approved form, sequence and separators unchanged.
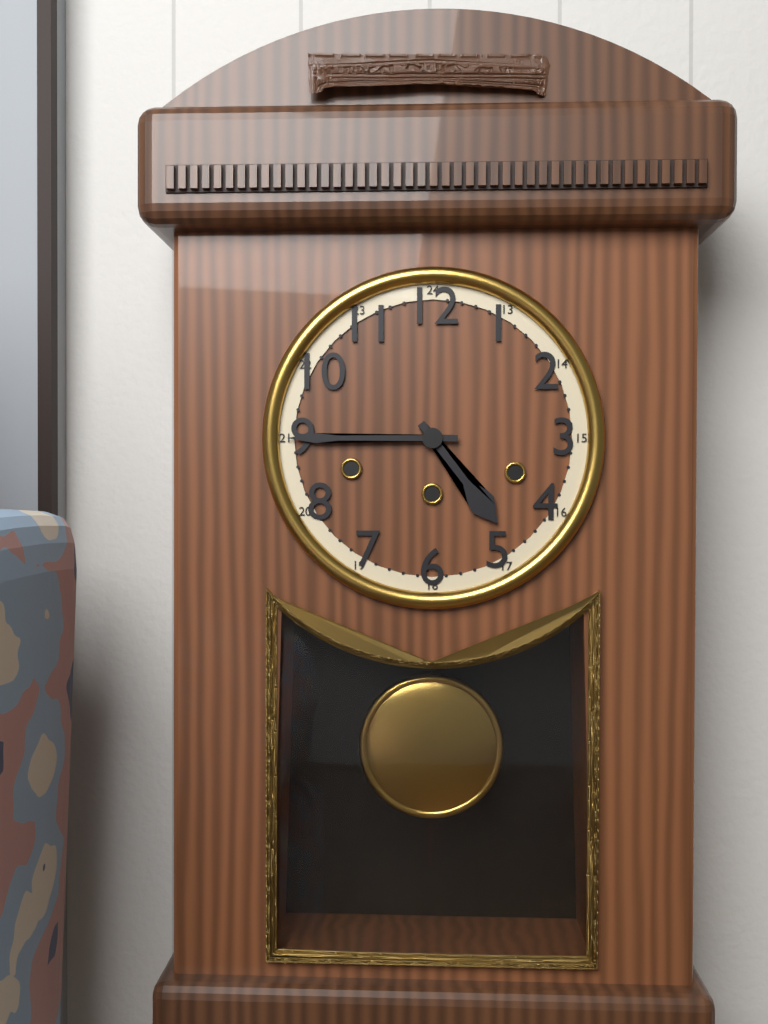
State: 4 h 45 min
